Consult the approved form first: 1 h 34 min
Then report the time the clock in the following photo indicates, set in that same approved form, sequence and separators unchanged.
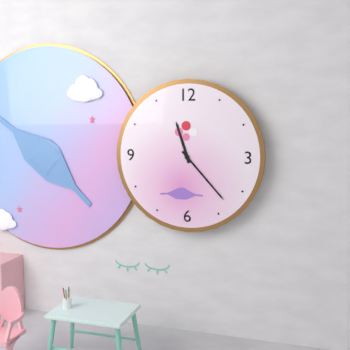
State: 11 h 23 min
